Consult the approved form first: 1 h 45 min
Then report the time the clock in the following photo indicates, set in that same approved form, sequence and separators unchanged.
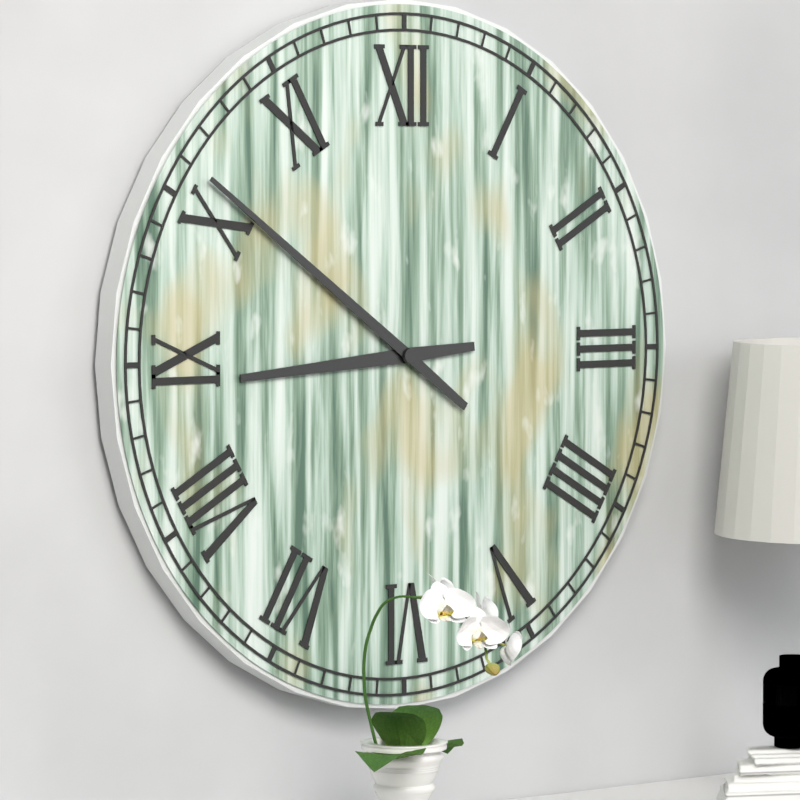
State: 8 h 51 min
